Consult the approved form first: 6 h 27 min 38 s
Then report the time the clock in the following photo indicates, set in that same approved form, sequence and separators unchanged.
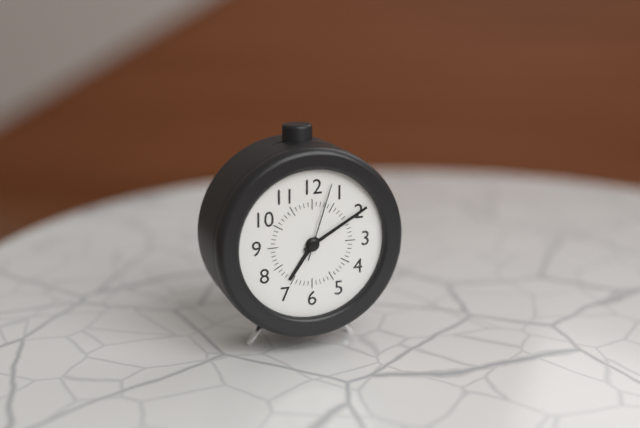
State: 7 h 10 min 03 s
